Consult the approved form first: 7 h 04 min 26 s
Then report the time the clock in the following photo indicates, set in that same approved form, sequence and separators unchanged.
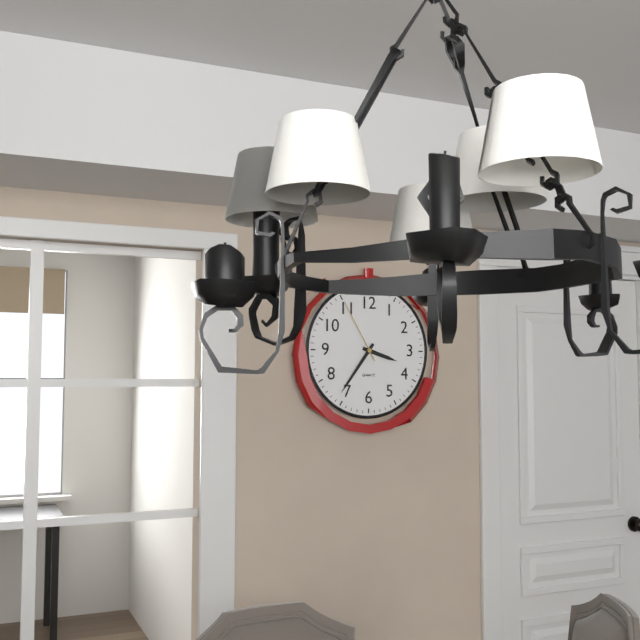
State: 3 h 36 min 55 s
